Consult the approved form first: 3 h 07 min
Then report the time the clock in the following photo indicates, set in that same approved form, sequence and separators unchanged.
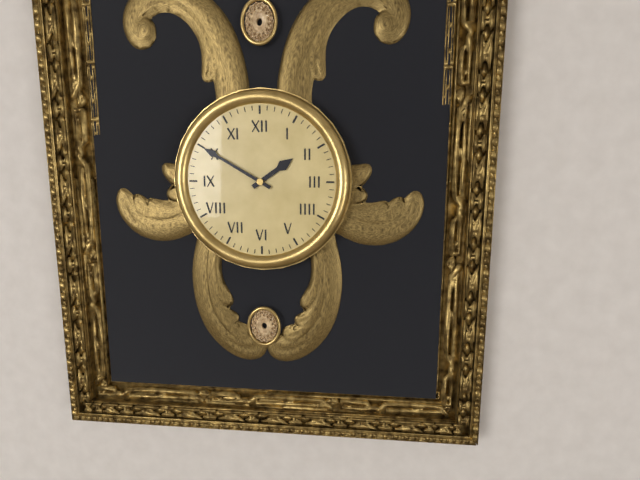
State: 1 h 50 min
